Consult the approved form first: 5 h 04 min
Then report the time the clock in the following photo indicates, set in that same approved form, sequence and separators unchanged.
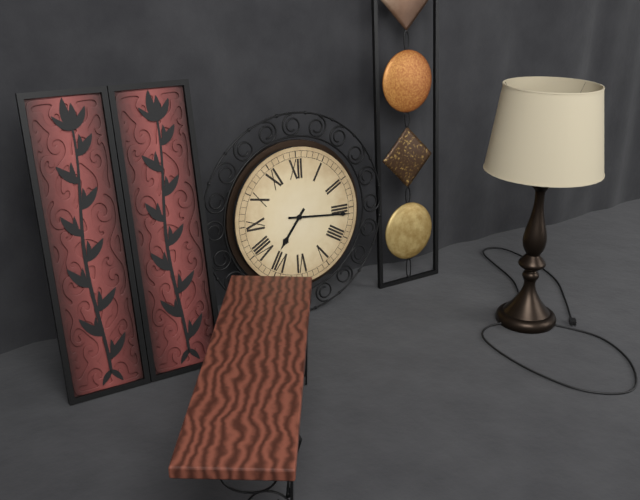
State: 7 h 16 min
